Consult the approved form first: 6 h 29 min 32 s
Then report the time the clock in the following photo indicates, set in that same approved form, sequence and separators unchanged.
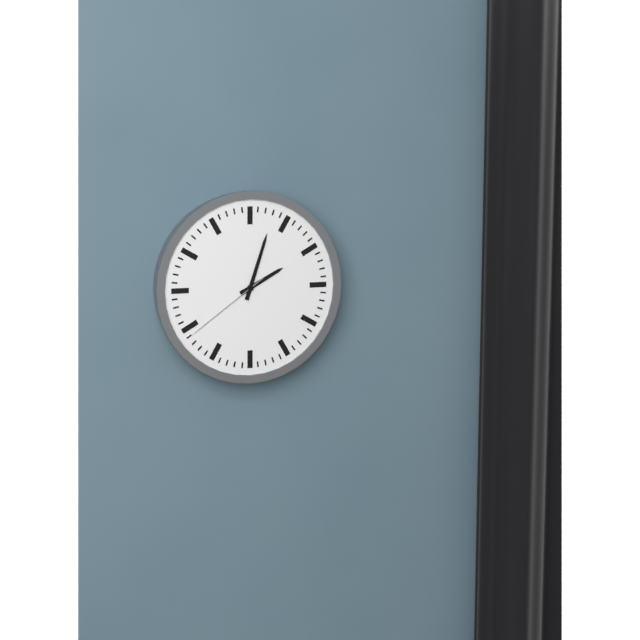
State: 2 h 03 min 39 s
